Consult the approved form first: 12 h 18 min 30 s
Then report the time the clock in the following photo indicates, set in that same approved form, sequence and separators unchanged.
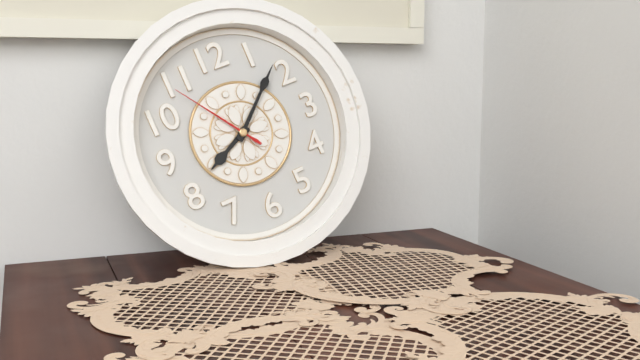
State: 8 h 08 min 54 s
